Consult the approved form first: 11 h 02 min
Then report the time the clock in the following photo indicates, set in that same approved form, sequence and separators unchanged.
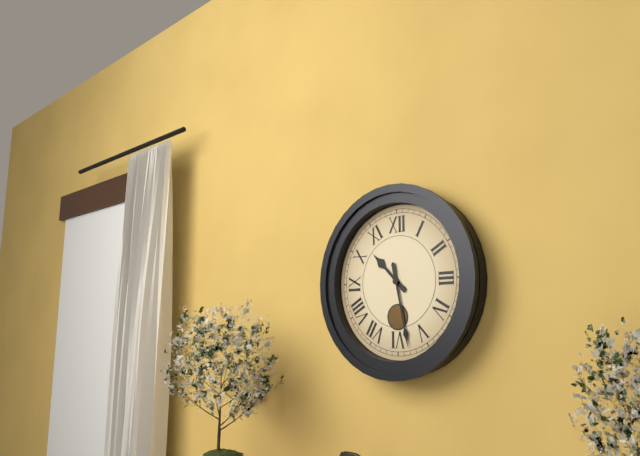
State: 10 h 28 min
